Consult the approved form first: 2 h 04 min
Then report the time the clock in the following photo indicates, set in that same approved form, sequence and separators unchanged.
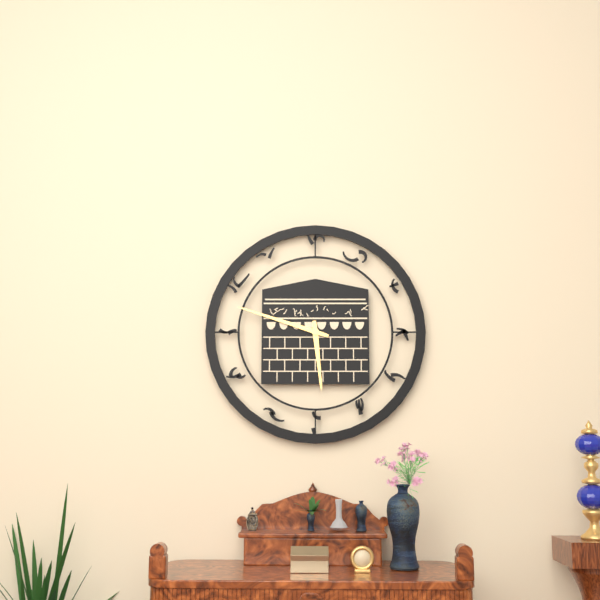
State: 5 h 48 min
